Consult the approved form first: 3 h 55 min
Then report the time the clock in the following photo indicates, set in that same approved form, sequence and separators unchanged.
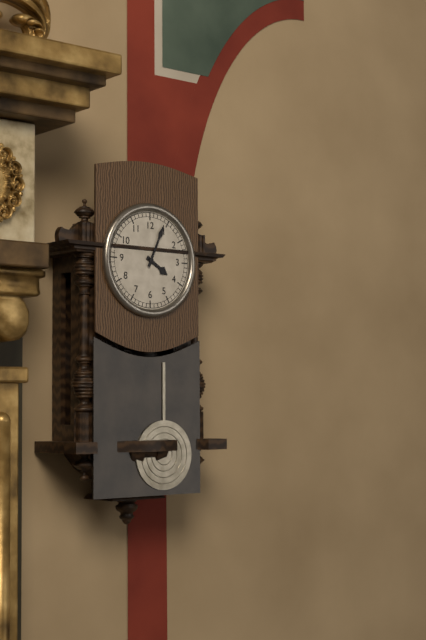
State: 4 h 04 min
